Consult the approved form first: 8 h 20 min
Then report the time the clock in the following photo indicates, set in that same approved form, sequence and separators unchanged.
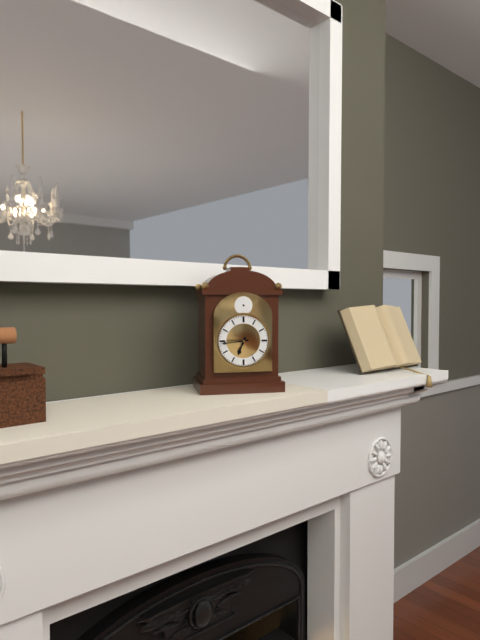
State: 6 h 44 min
